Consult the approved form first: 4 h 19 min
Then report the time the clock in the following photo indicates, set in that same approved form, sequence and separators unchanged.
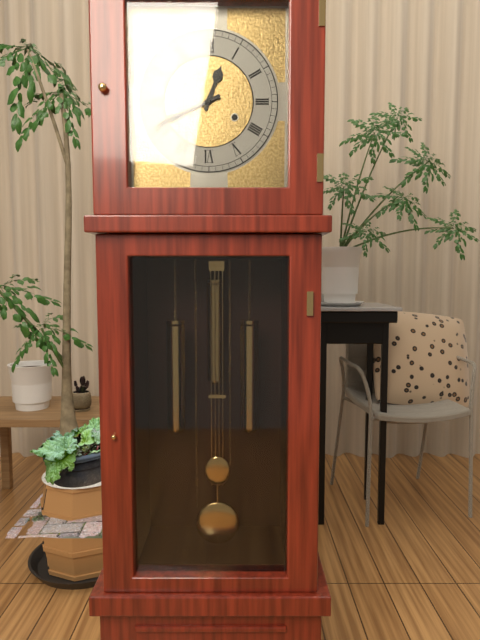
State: 12 h 41 min
